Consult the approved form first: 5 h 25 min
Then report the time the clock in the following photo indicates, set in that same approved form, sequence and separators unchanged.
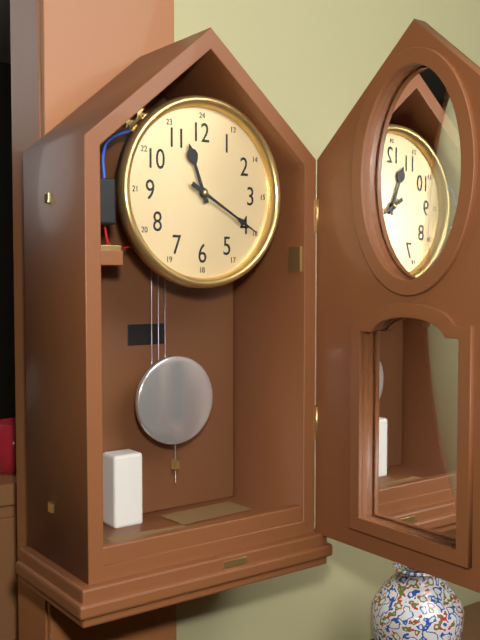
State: 11 h 20 min
